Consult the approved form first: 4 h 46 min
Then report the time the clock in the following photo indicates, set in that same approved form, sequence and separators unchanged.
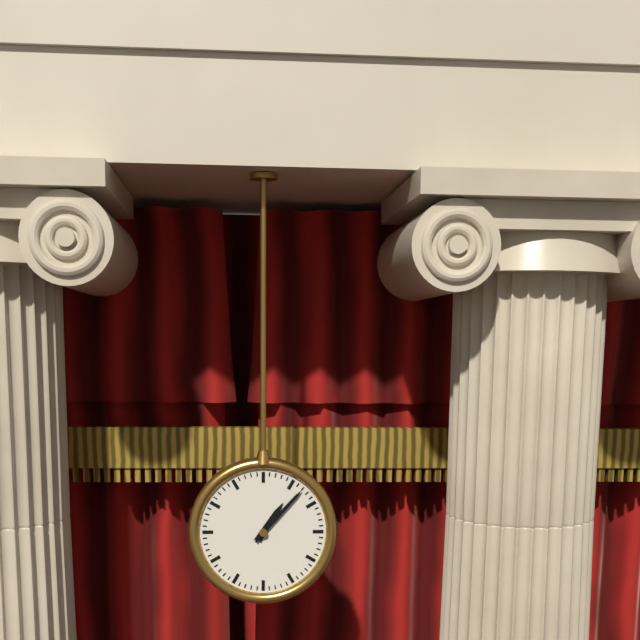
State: 1 h 07 min
